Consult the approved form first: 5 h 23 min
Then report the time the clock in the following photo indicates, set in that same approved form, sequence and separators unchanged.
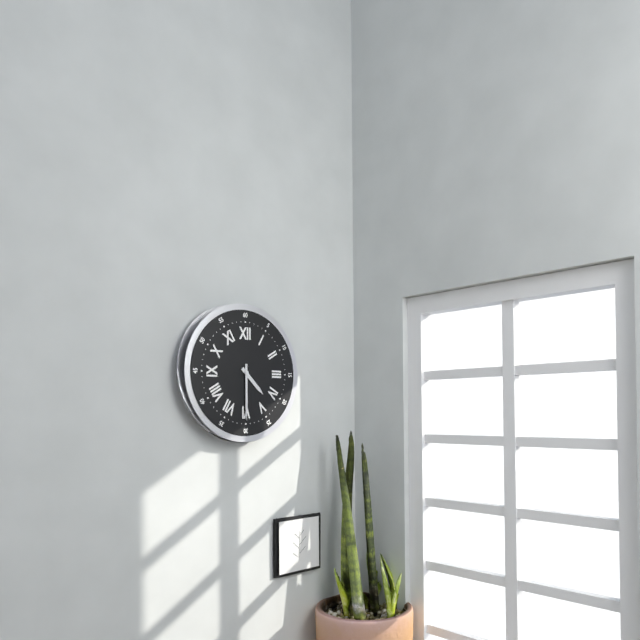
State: 4 h 30 min
